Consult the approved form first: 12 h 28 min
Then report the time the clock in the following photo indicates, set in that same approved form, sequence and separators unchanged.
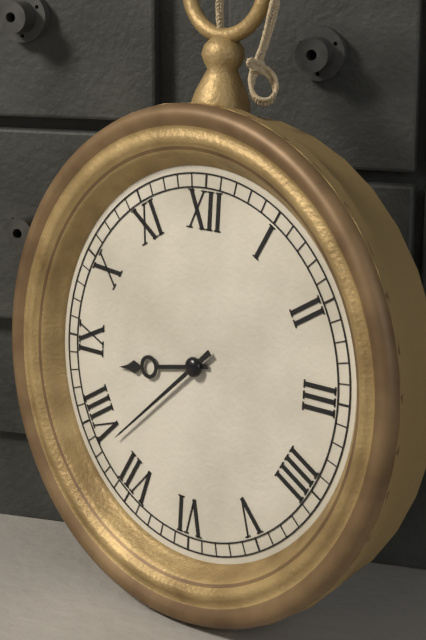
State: 8 h 38 min
